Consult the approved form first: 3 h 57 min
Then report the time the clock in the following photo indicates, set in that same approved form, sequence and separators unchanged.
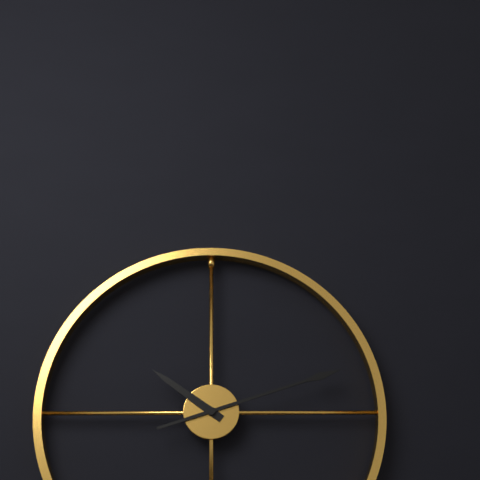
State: 10 h 12 min
